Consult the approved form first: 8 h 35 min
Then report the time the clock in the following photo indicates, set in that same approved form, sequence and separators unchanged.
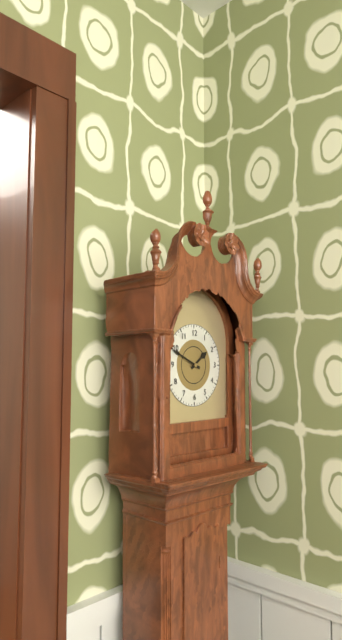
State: 1 h 49 min
